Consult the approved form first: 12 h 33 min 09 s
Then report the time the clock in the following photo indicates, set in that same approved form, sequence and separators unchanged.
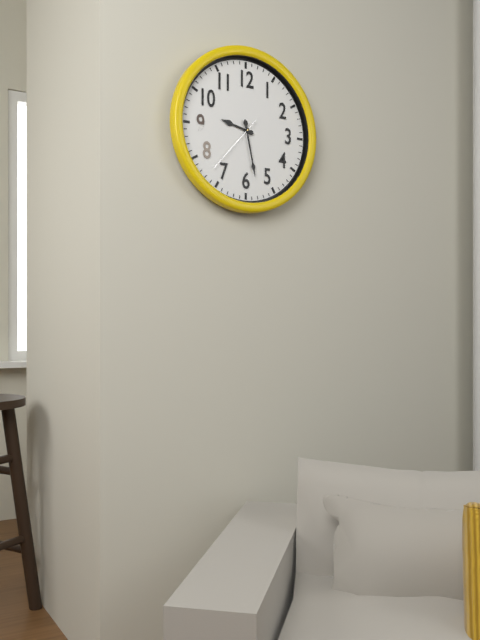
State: 9 h 28 min 37 s
